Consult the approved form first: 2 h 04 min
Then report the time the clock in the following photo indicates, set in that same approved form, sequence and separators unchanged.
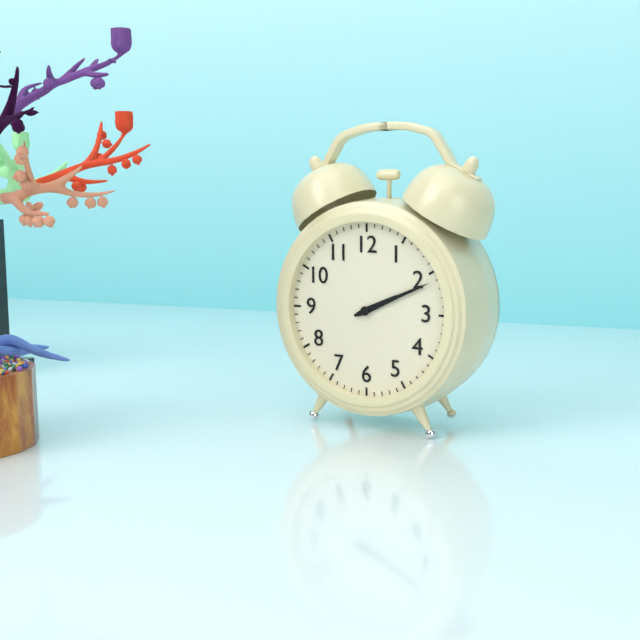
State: 2 h 11 min
